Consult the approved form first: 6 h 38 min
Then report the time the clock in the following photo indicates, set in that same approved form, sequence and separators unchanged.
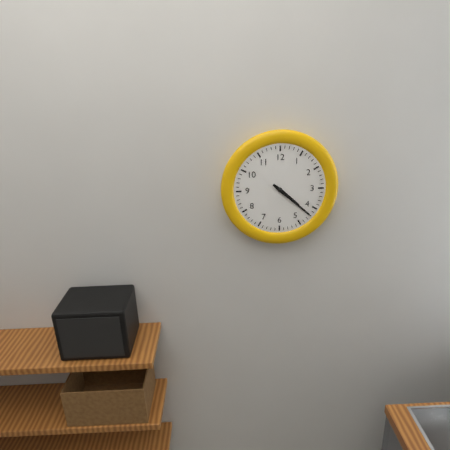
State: 4 h 22 min
